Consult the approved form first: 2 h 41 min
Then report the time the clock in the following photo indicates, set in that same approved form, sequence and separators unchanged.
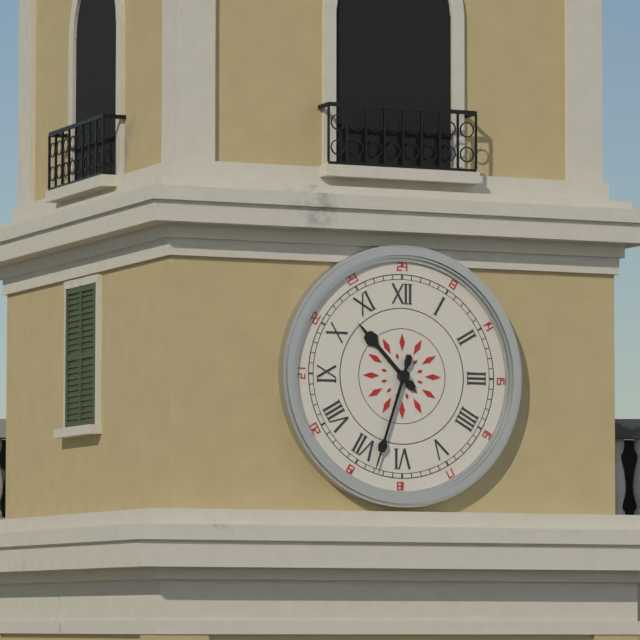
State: 10 h 33 min
